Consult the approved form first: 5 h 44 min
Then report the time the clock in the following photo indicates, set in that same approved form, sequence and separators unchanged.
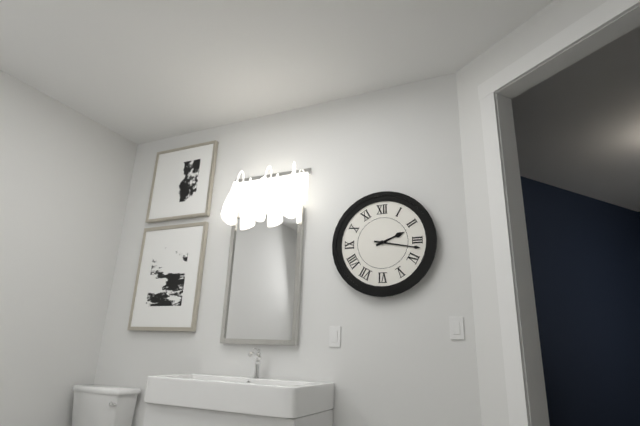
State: 2 h 17 min
